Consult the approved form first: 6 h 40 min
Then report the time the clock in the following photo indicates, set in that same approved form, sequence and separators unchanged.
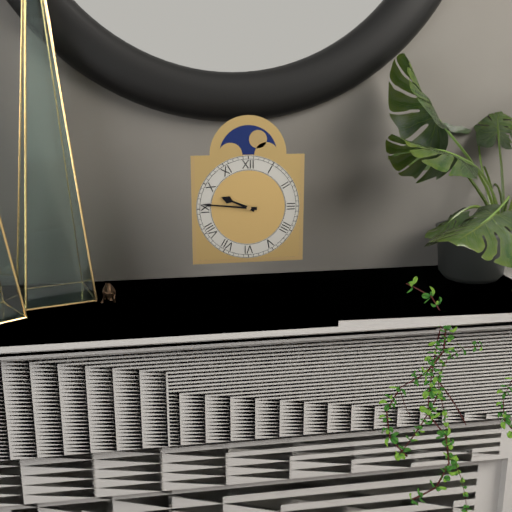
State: 9 h 46 min
